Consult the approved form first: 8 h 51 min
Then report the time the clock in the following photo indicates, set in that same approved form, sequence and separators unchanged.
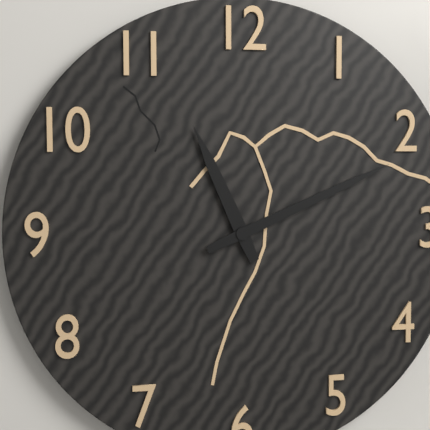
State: 11 h 11 min
